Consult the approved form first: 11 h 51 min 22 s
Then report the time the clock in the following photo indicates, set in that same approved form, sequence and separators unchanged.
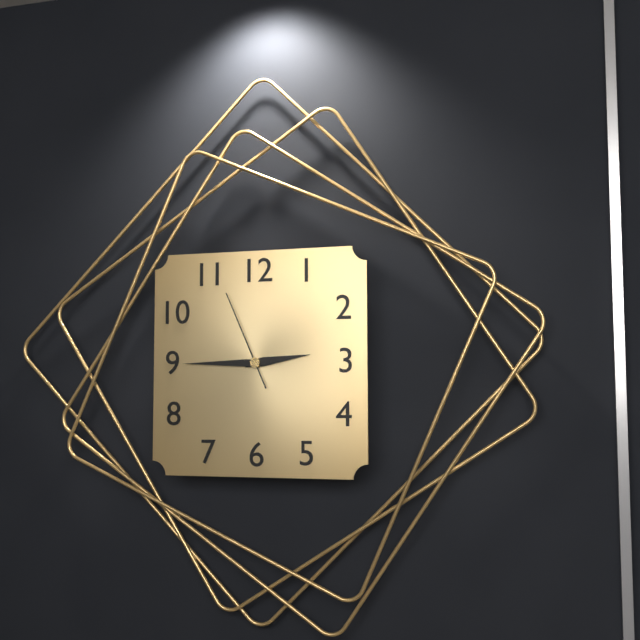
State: 2 h 45 min 56 s
